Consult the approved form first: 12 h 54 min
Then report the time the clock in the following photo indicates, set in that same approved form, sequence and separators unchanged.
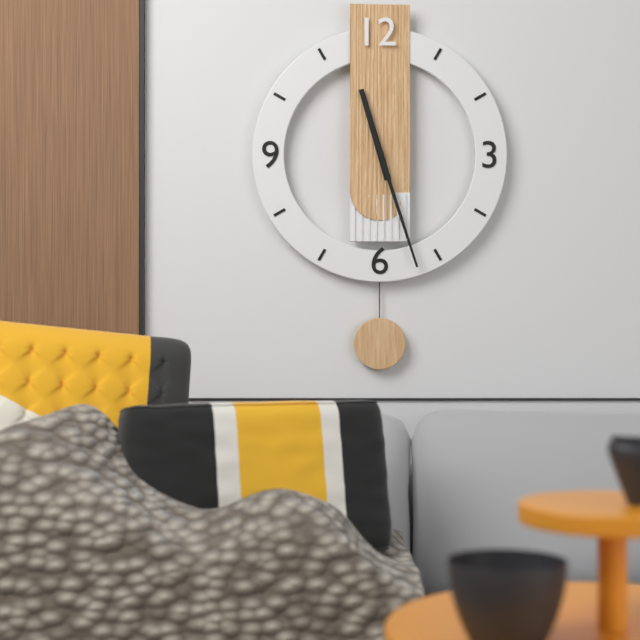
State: 11 h 27 min
